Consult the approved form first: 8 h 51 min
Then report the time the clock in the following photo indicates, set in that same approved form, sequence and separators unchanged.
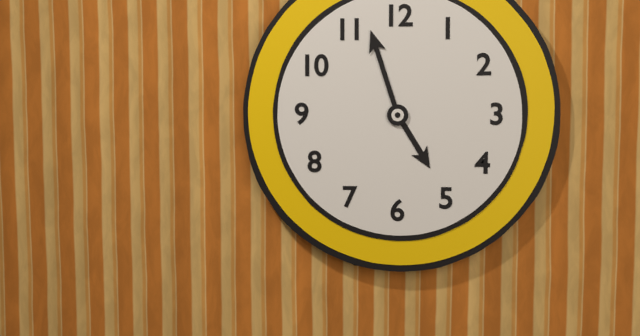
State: 4 h 57 min
